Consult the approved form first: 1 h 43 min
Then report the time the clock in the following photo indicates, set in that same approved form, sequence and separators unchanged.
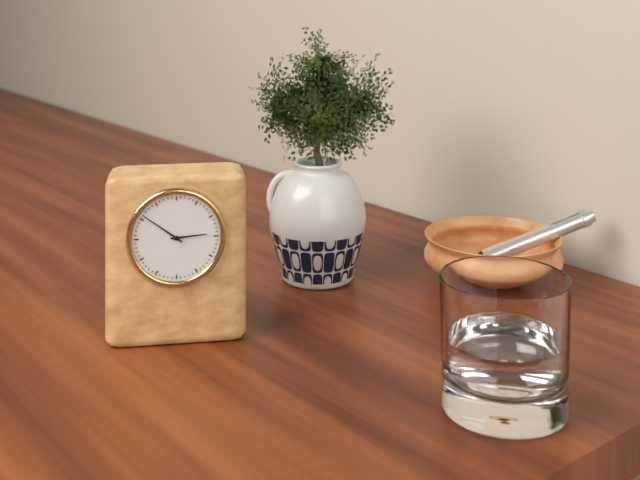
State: 2 h 51 min
